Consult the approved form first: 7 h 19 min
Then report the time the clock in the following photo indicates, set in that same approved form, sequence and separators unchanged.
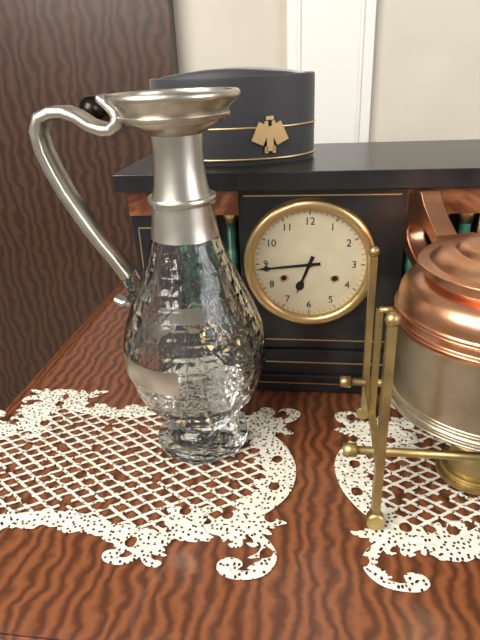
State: 6 h 44 min
